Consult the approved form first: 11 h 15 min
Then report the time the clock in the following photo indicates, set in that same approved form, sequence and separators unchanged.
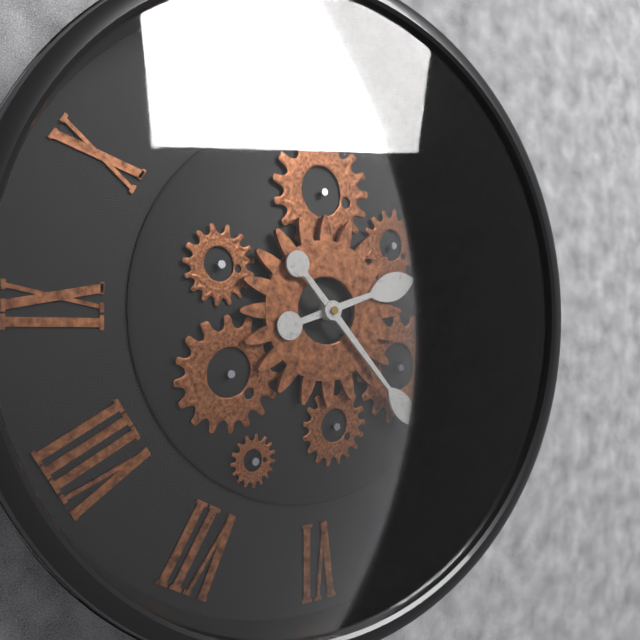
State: 2 h 23 min
